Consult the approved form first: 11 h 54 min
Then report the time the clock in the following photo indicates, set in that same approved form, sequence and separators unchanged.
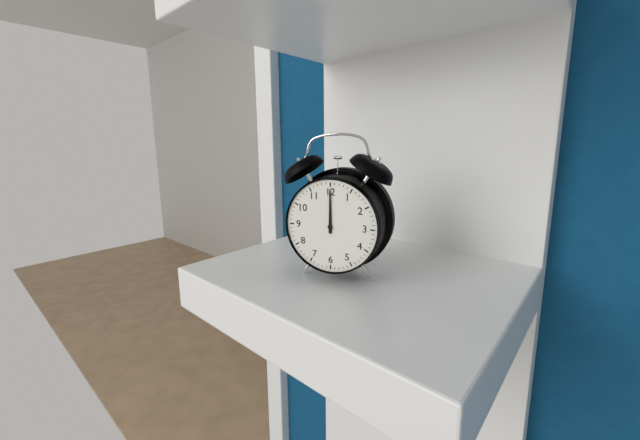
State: 12 h 00 min
